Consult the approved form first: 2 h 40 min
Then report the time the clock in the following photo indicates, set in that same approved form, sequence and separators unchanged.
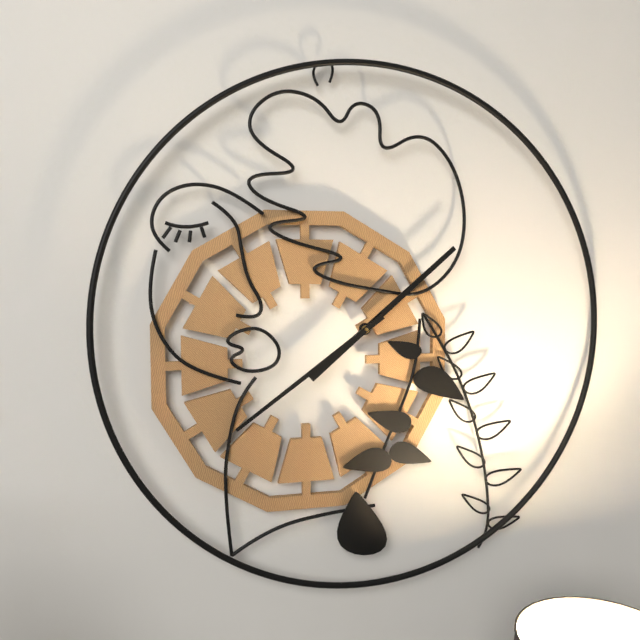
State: 1 h 39 min
